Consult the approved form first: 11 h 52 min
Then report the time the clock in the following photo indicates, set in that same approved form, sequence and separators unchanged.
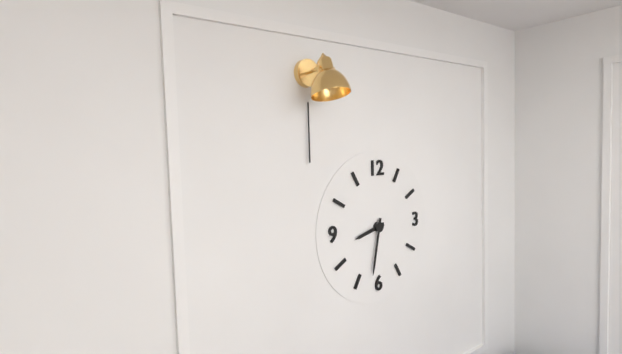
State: 8 h 32 min
